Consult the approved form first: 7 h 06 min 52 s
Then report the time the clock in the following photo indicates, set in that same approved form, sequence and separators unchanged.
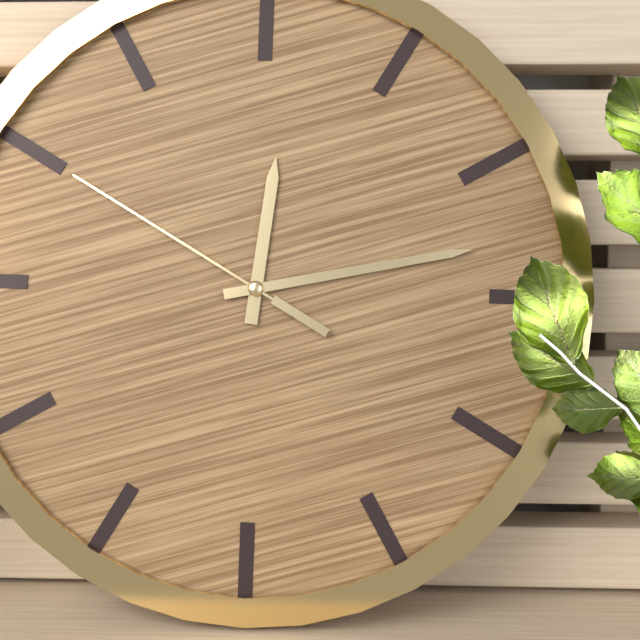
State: 12 h 13 min 50 s
